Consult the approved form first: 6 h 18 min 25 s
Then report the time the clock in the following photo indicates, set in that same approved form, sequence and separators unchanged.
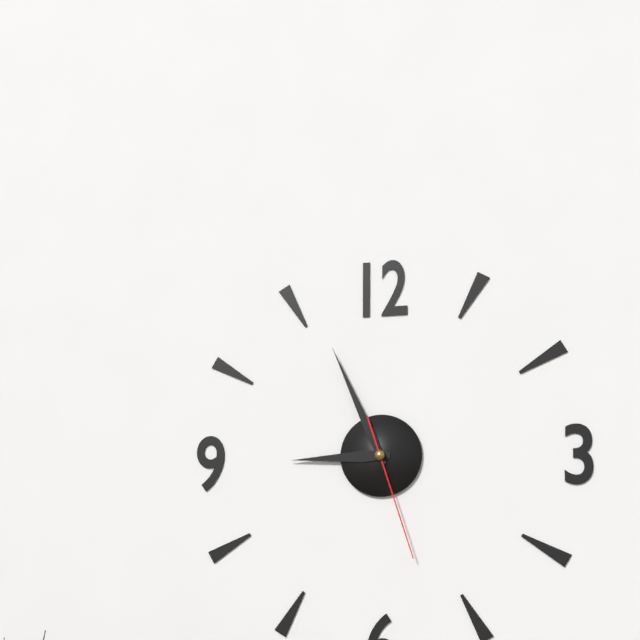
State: 8 h 56 min 27 s
